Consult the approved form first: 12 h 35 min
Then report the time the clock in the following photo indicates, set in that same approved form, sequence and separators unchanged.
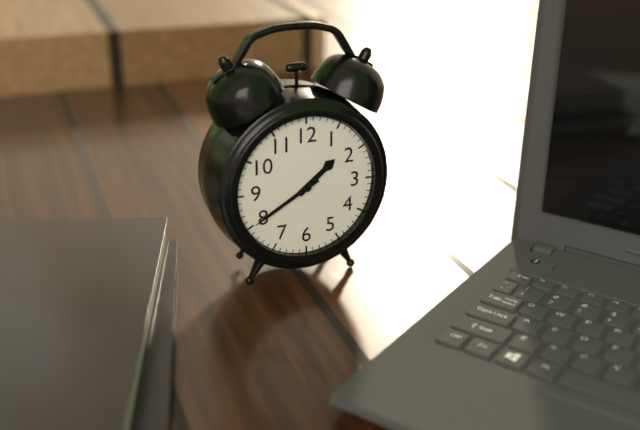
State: 1 h 40 min
